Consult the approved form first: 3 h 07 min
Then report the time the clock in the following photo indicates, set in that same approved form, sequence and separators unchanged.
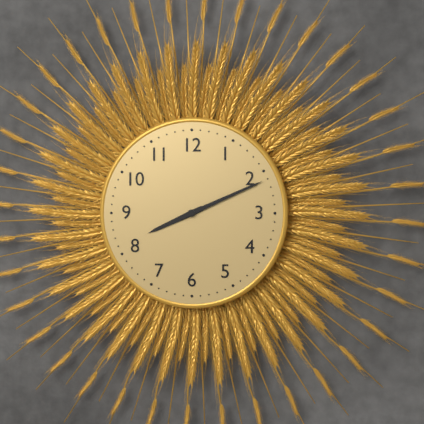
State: 8 h 11 min
